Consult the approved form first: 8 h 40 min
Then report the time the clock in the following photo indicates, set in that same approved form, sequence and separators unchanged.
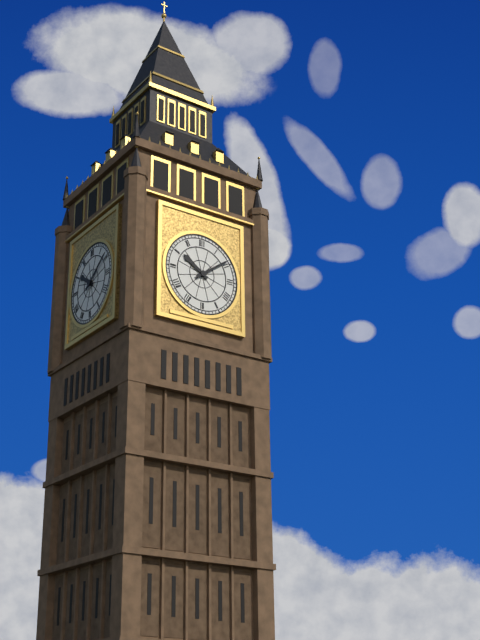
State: 10 h 09 min
